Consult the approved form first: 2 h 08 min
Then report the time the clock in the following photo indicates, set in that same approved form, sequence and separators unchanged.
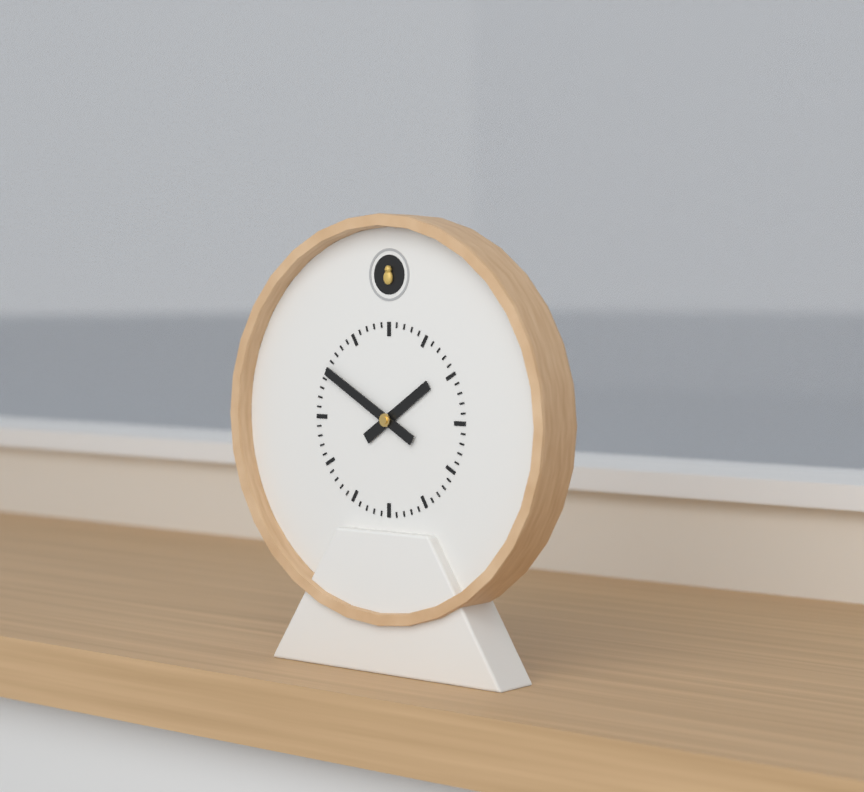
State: 1 h 50 min
